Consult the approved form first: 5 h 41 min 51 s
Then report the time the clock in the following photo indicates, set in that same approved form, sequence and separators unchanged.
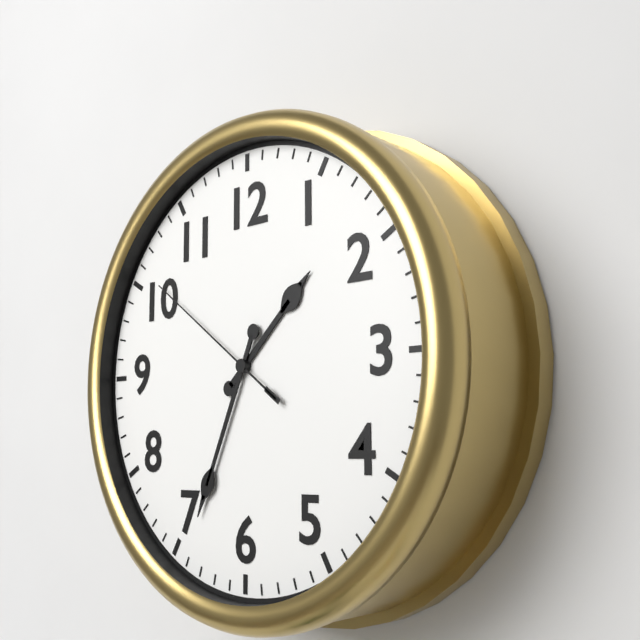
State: 1 h 34 min 51 s
